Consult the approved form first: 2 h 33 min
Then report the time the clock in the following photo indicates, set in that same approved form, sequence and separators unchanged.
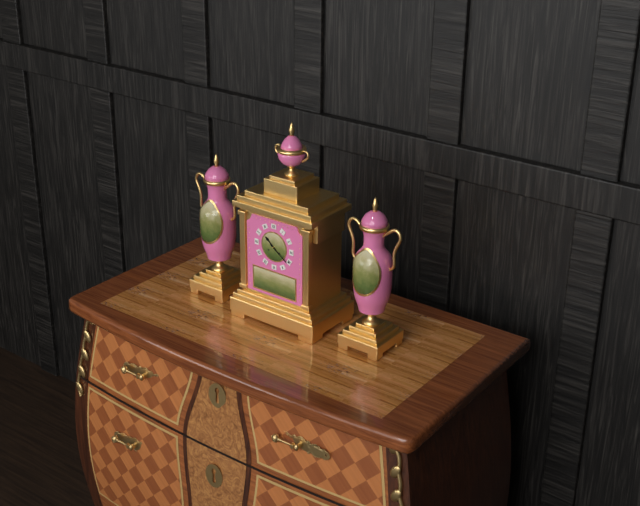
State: 10 h 21 min
